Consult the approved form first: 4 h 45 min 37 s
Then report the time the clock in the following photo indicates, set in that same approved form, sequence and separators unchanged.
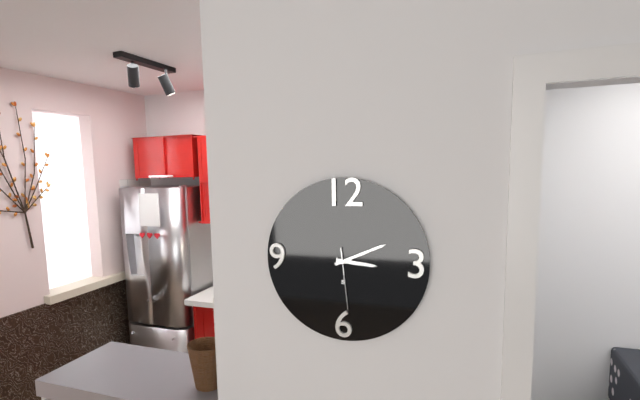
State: 3 h 11 min 29 s
